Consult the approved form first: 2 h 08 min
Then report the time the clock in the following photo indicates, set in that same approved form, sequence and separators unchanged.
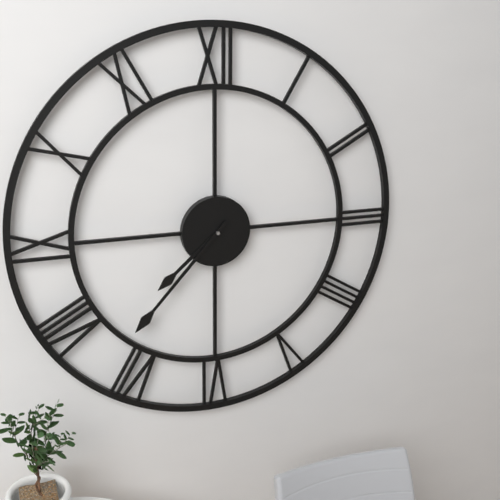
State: 7 h 37 min
